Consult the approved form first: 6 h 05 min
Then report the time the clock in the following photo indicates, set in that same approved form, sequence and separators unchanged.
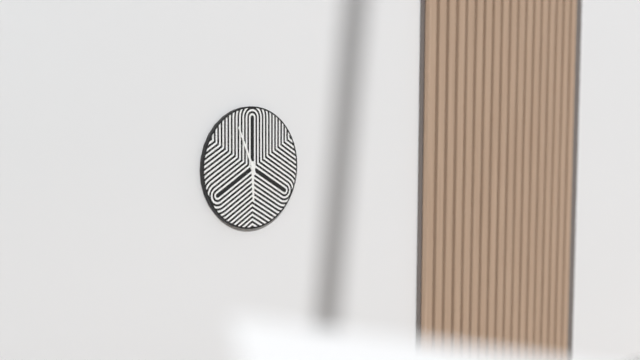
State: 5 h 56 min
